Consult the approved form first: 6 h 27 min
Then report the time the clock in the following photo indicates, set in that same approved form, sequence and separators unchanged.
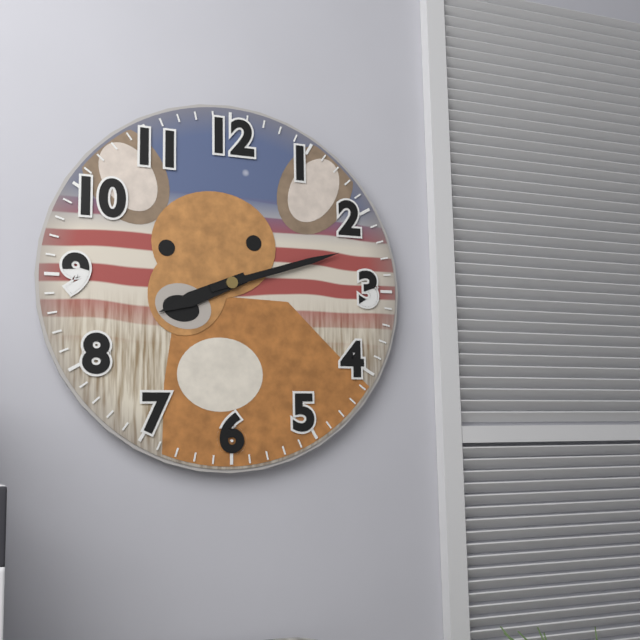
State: 8 h 12 min
